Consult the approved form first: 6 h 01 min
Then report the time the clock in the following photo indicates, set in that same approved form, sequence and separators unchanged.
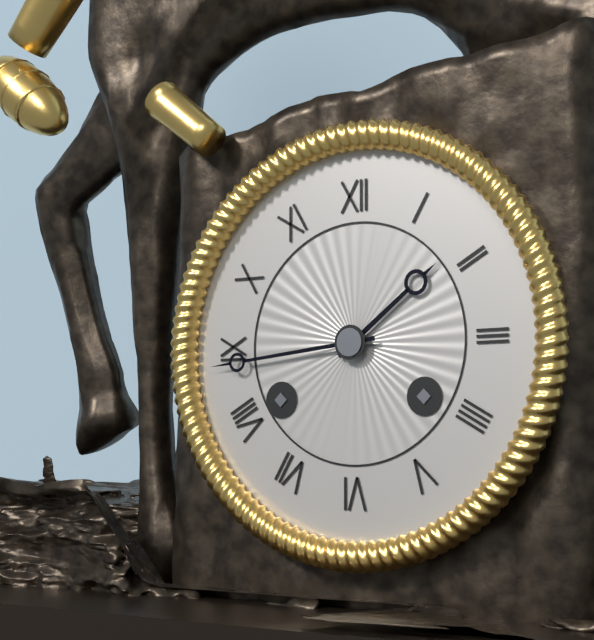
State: 1 h 44 min
